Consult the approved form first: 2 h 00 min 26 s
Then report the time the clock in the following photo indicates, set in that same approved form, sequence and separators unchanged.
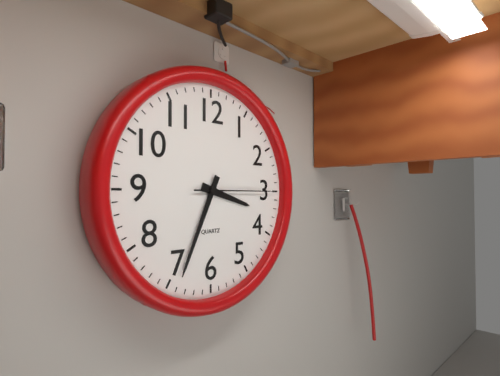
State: 3 h 34 min 15 s
